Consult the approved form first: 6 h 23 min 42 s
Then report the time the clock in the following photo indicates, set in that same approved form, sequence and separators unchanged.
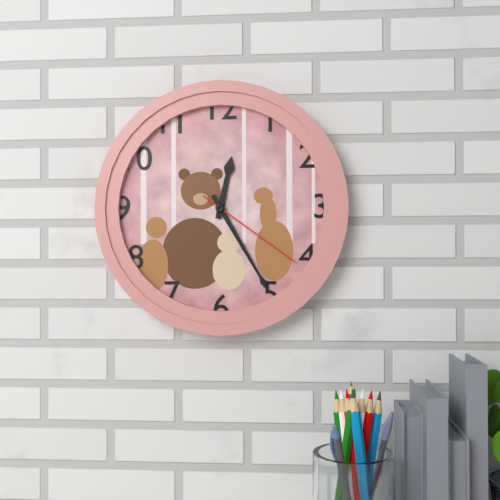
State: 12 h 25 min 21 s
